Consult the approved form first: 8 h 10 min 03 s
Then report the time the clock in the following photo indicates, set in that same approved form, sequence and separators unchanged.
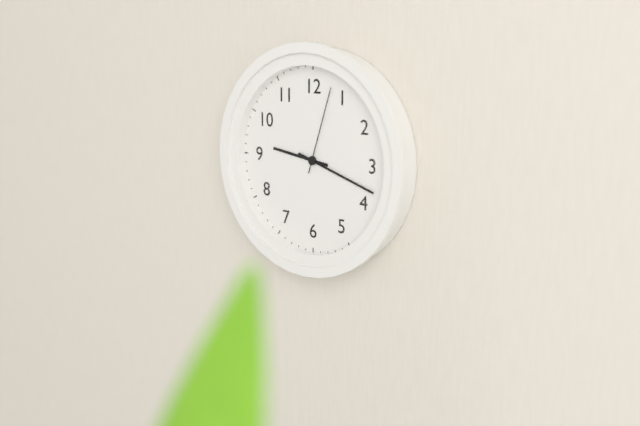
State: 9 h 18 min 03 s
